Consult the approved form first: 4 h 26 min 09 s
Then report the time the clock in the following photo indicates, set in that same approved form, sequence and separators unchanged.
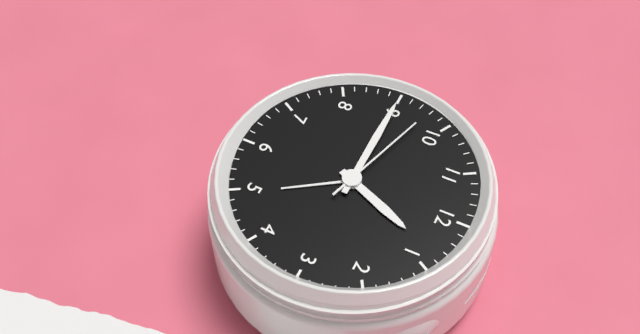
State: 12 h 45 min 48 s
